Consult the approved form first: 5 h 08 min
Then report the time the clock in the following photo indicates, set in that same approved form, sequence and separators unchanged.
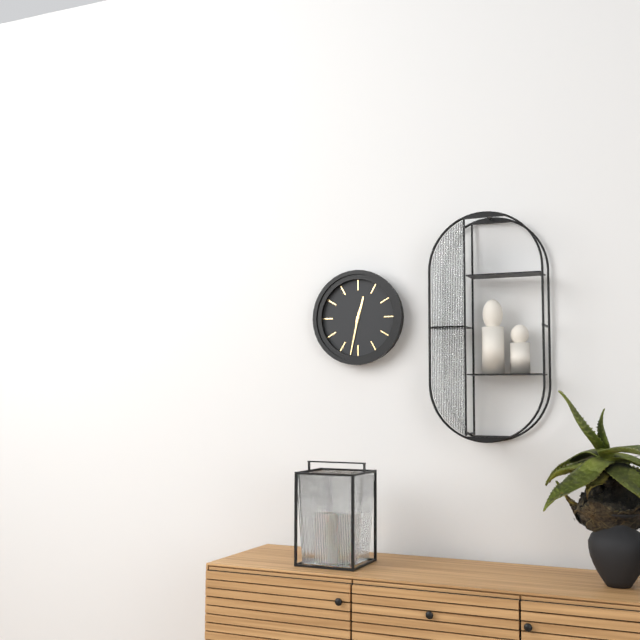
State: 12 h 32 min
